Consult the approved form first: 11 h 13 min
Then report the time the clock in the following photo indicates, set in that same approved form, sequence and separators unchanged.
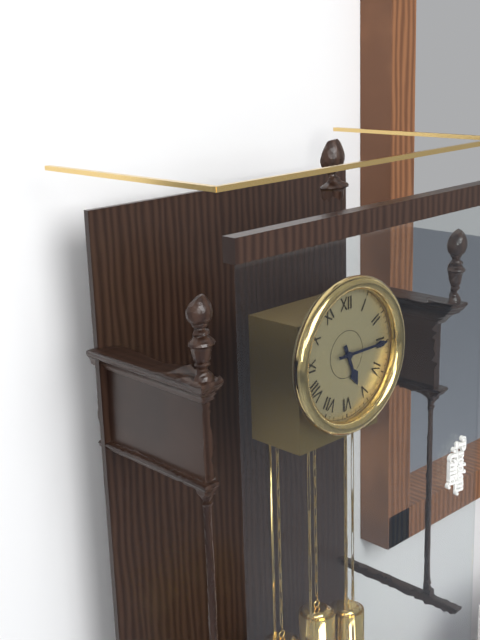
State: 5 h 15 min
